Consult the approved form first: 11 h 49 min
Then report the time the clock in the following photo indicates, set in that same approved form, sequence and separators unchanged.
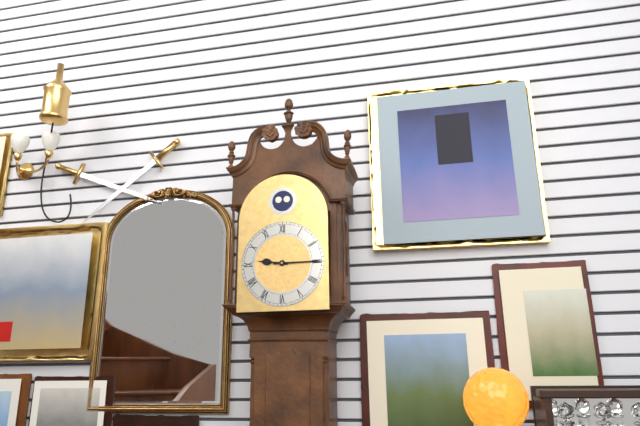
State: 9 h 15 min
